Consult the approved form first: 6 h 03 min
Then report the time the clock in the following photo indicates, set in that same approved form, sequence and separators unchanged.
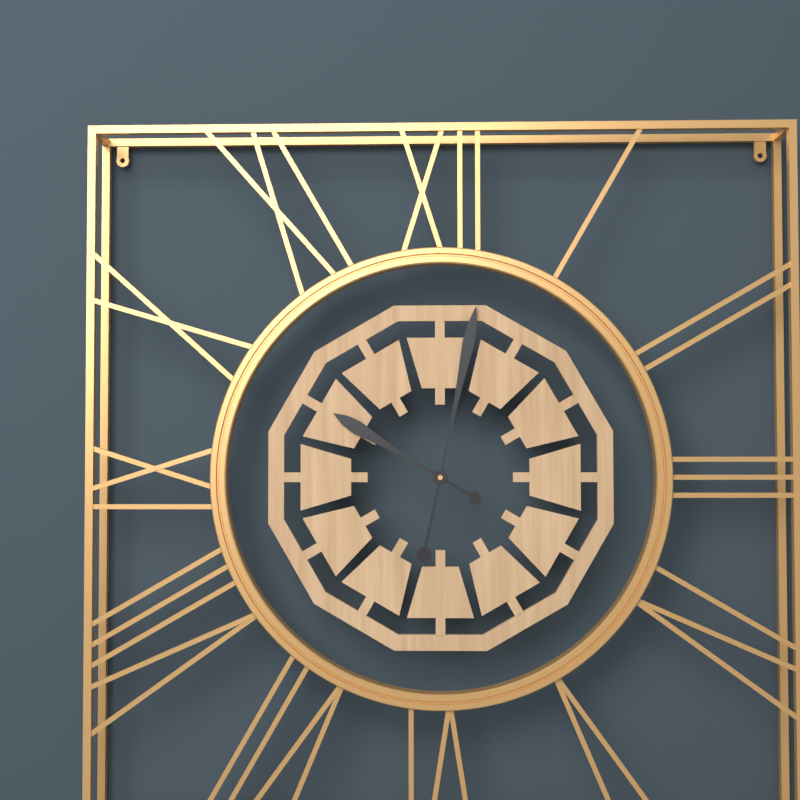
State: 10 h 02 min
